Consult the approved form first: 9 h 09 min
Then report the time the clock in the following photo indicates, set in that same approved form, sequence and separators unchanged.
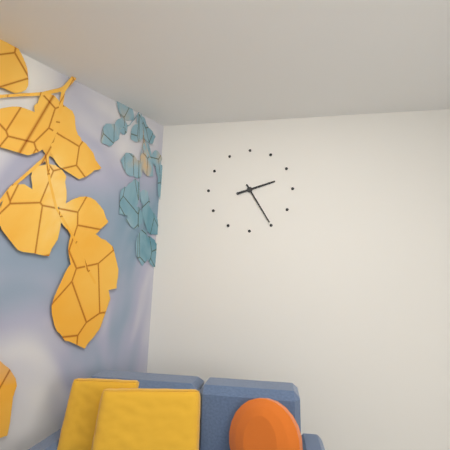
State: 2 h 25 min
